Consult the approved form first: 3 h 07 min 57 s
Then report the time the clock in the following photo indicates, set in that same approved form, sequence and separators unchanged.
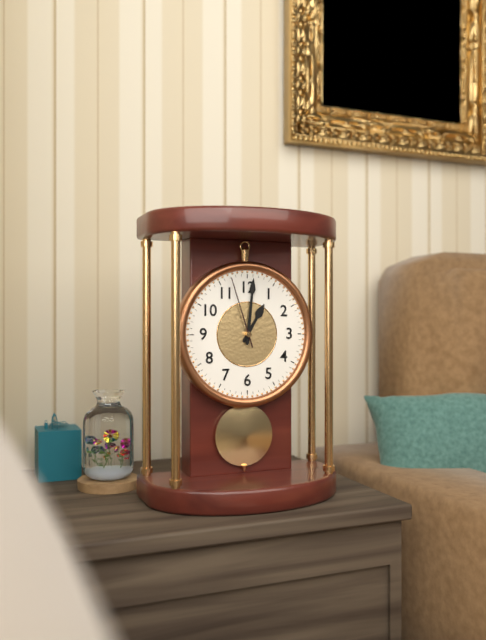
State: 1 h 01 min 57 s
